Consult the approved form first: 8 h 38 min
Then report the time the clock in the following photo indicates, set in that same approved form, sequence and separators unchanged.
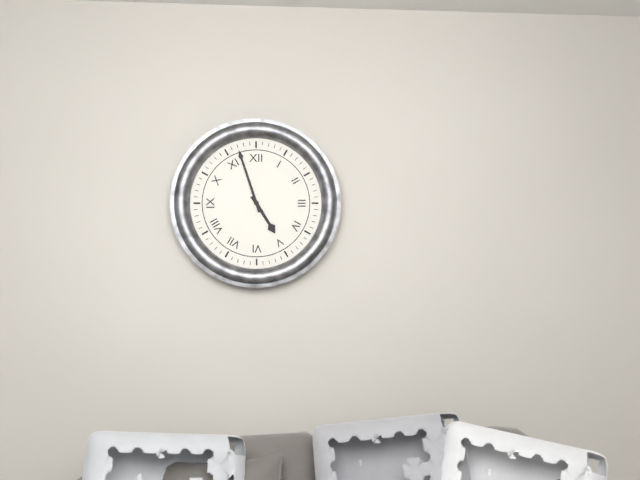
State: 4 h 57 min
